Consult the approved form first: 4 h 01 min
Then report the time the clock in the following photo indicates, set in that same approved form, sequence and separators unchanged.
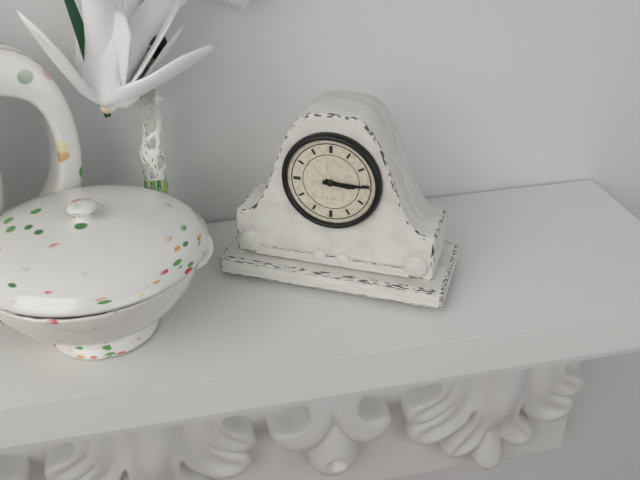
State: 3 h 15 min
